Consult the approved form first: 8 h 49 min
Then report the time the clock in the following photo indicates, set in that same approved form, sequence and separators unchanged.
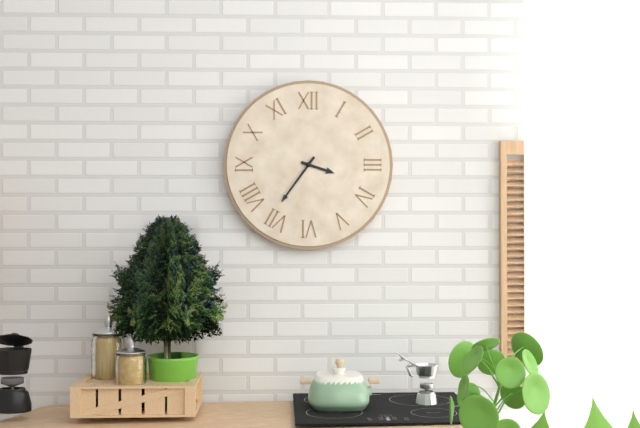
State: 3 h 36 min
